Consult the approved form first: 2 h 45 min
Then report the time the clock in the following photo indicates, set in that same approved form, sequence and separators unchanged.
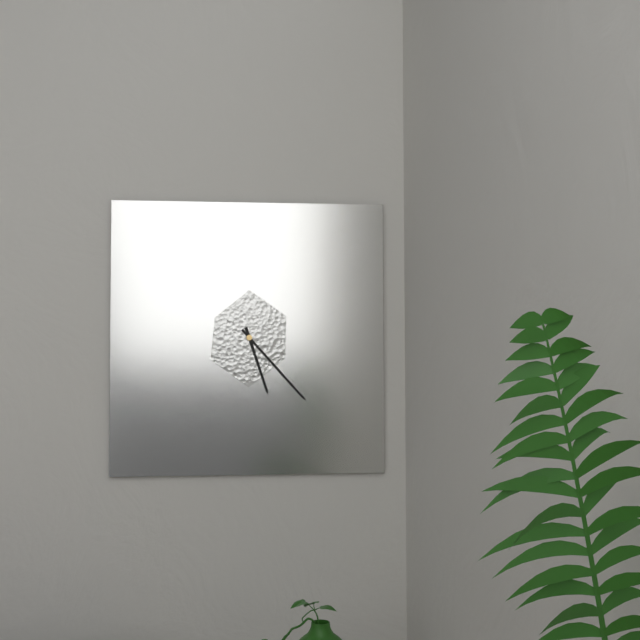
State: 5 h 23 min
